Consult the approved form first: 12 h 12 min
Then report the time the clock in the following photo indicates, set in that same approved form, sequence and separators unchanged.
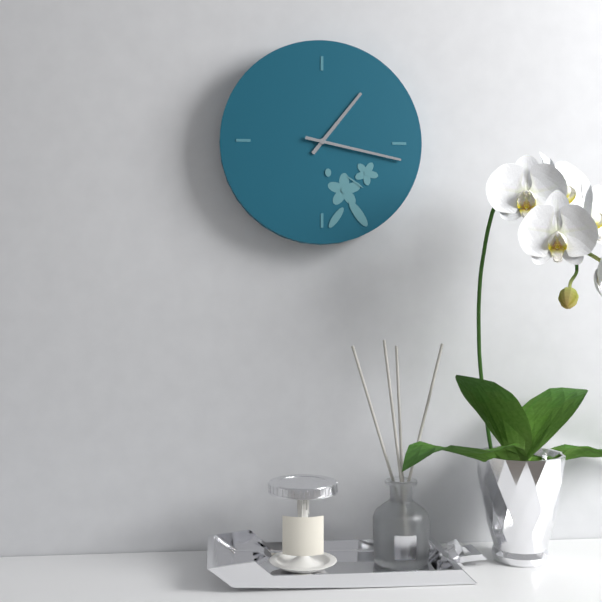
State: 1 h 17 min
